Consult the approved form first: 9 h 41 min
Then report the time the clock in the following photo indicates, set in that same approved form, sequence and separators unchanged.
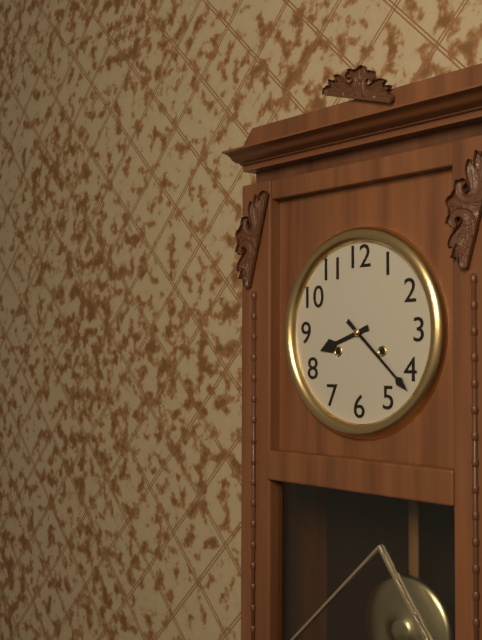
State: 8 h 22 min
